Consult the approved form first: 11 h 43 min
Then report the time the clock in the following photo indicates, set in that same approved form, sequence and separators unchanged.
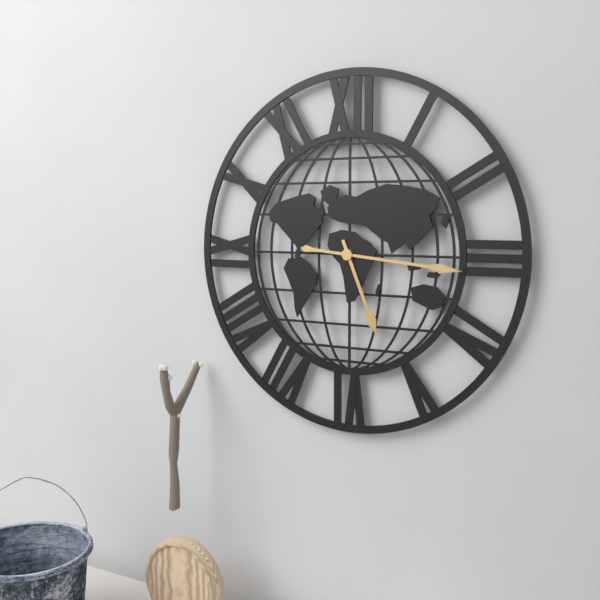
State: 5 h 16 min
